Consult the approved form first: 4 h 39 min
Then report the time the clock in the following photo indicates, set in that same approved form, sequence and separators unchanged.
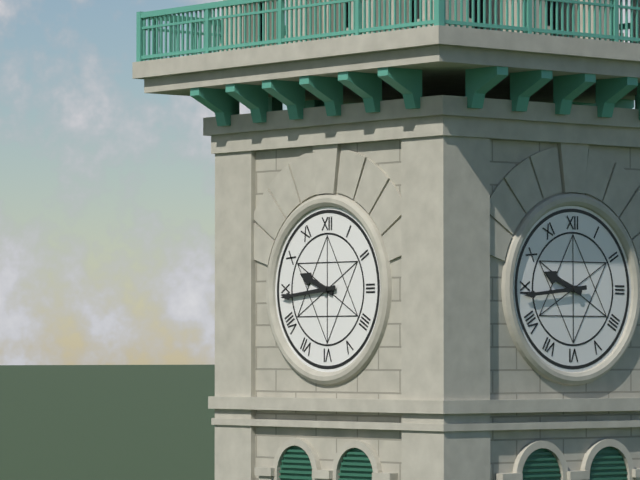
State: 9 h 44 min
